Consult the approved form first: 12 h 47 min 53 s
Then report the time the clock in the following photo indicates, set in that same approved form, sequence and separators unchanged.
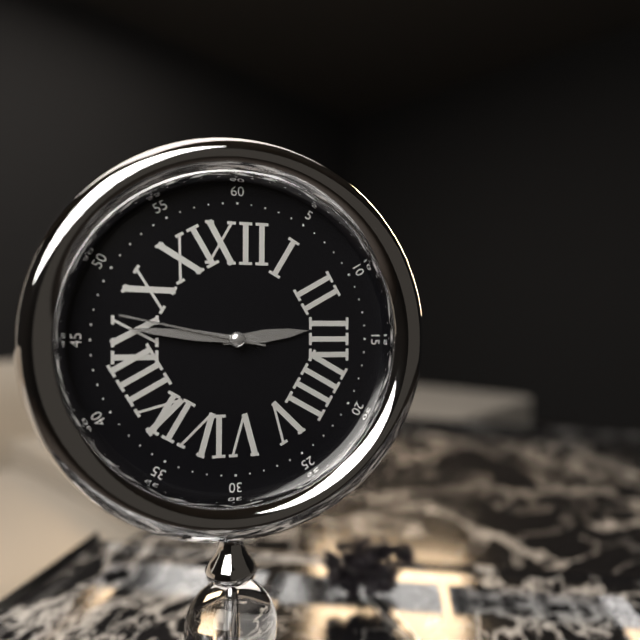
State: 2 h 46 min 47 s
